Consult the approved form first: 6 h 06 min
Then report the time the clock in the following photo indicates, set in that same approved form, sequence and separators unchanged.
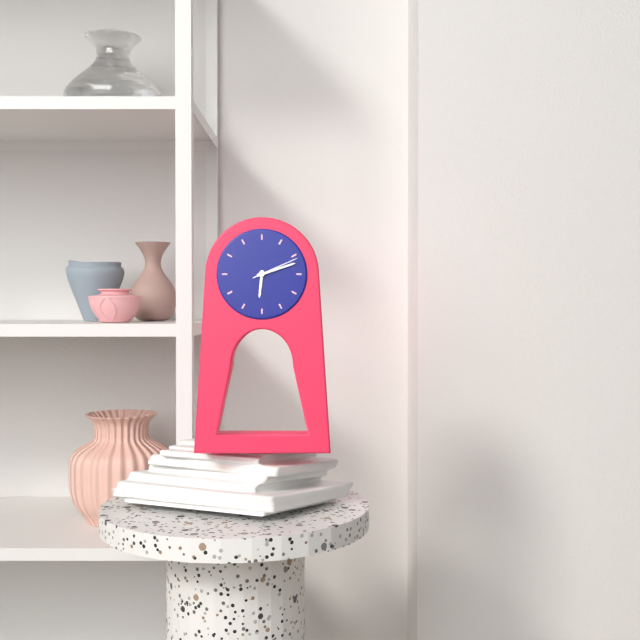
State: 6 h 12 min
